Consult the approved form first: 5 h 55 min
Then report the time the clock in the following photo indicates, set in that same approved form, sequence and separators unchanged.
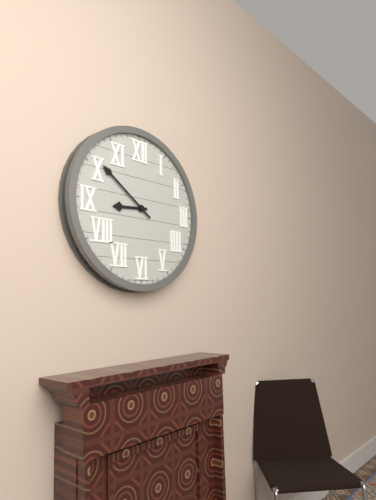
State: 8 h 51 min
